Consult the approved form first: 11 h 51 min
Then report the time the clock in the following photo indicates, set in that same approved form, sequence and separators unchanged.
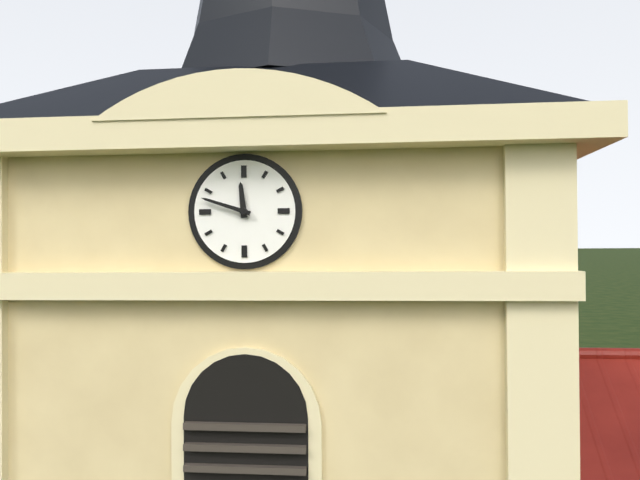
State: 11 h 48 min
